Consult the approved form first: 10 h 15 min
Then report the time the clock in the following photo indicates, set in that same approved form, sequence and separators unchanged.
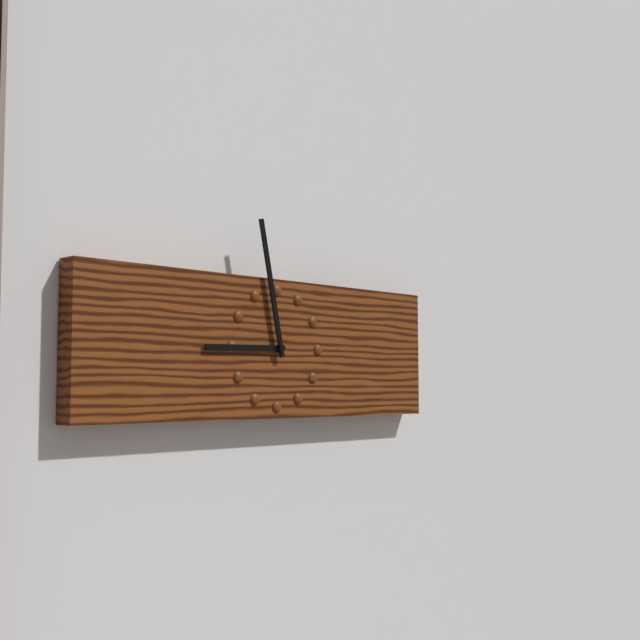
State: 8 h 58 min
